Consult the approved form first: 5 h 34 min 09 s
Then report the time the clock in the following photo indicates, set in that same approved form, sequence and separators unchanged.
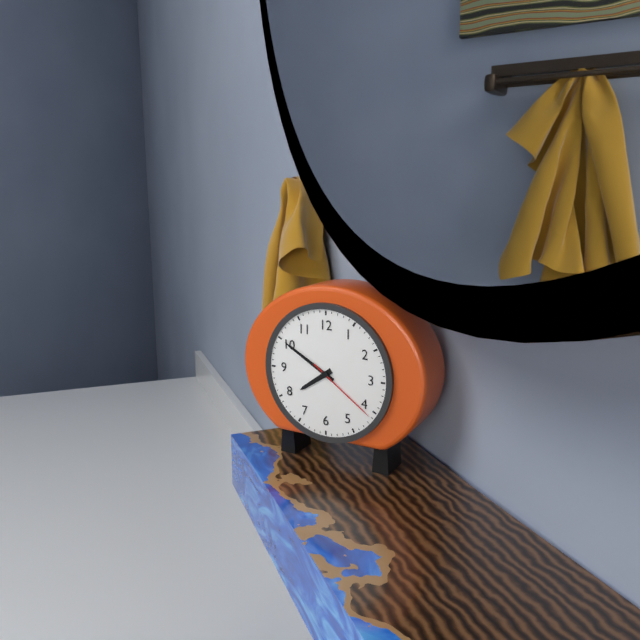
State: 7 h 50 min 21 s
